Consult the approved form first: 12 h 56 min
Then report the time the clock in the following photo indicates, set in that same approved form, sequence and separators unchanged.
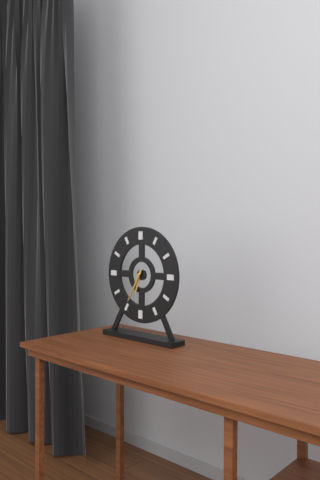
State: 6 h 35 min
